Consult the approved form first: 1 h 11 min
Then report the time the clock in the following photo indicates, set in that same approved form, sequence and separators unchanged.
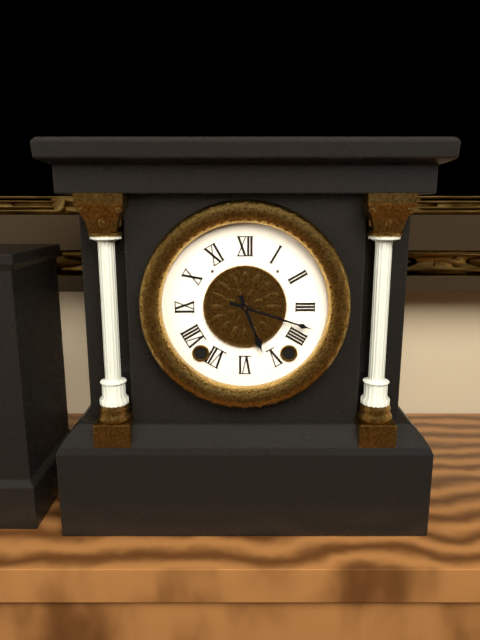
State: 5 h 18 min
